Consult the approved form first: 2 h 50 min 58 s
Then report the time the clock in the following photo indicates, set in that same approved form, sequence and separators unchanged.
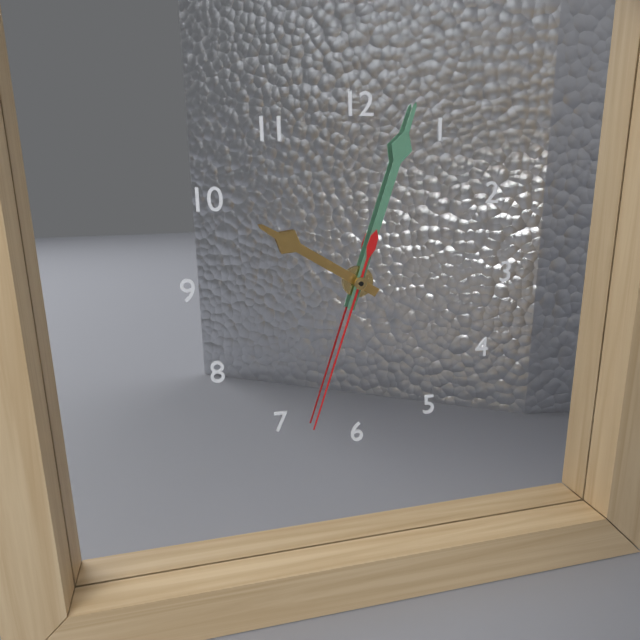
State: 10 h 03 min 33 s
